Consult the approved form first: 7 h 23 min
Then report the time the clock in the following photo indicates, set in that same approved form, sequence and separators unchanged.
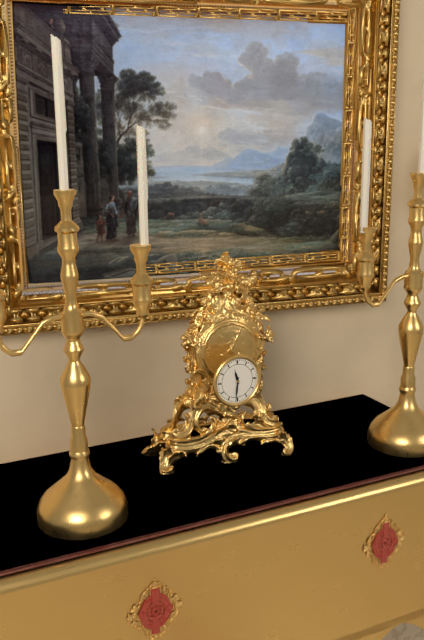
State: 11 h 31 min
